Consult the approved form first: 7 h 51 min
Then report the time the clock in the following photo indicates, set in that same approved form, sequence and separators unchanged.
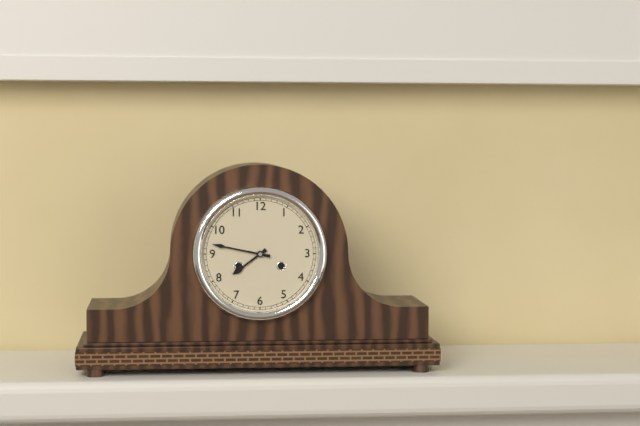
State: 7 h 47 min
